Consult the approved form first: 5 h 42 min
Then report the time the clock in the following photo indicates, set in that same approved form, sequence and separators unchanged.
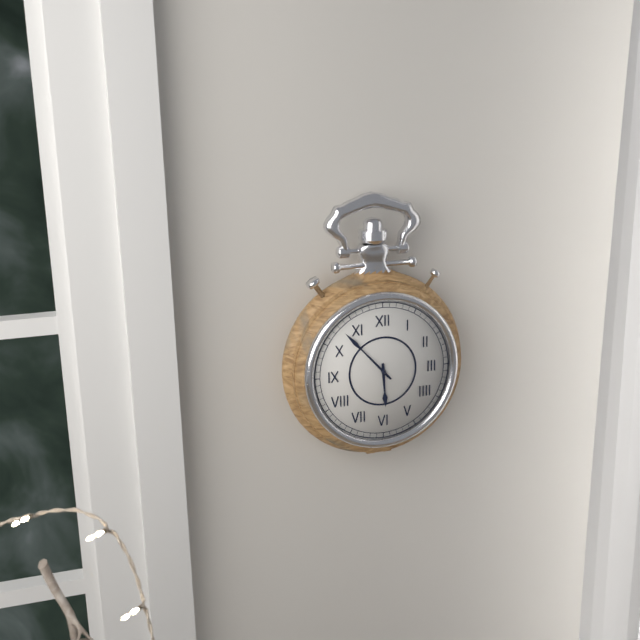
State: 5 h 53 min
